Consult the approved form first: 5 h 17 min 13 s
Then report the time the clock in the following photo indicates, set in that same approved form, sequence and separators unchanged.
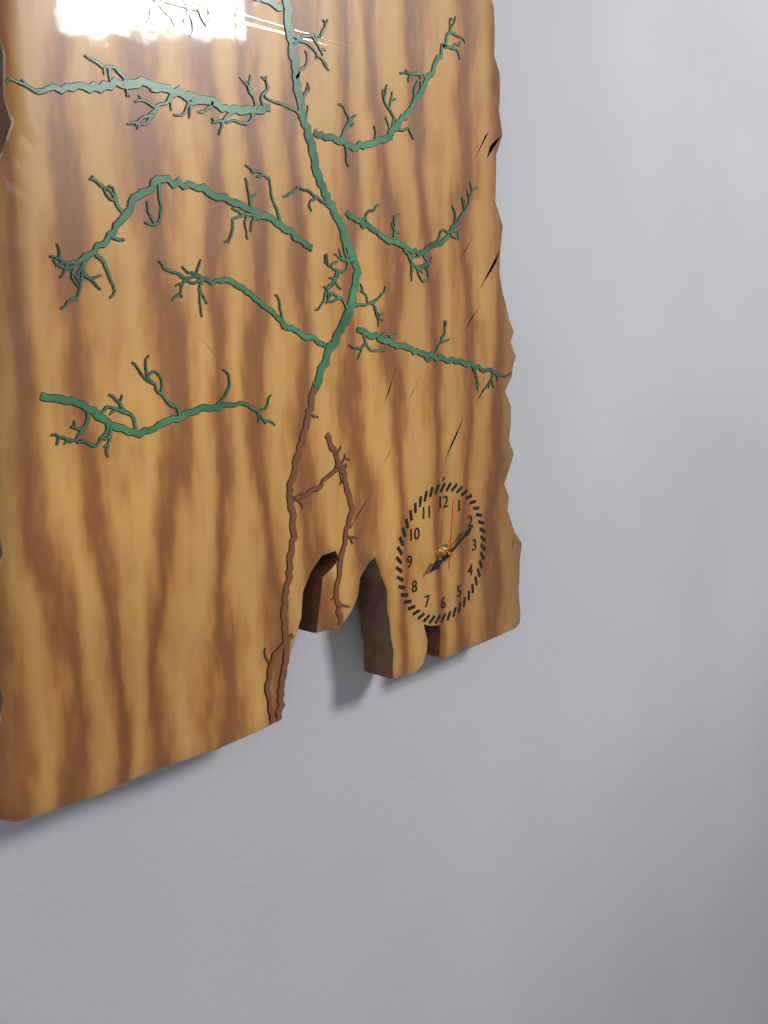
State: 8 h 10 min 01 s
